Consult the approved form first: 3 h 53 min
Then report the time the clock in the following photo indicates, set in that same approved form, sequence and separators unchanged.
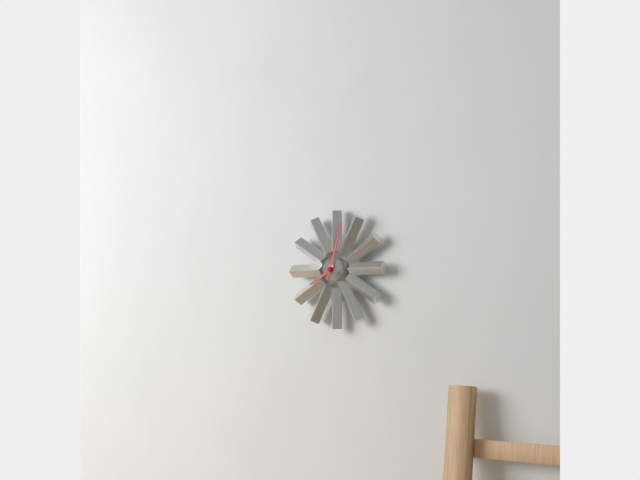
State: 8 h 03 min
